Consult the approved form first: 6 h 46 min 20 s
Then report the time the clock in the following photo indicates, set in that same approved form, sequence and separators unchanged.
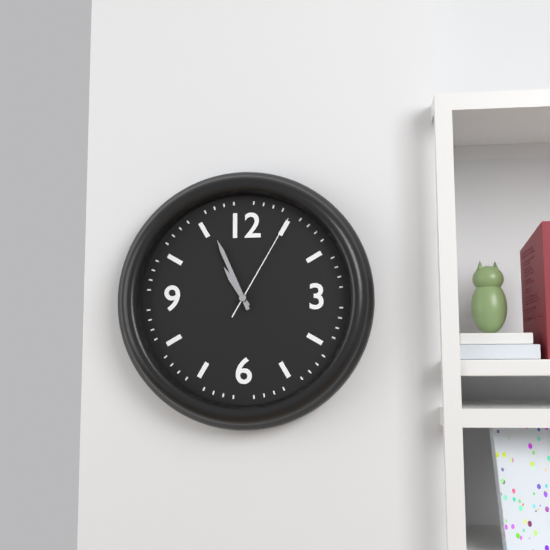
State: 10 h 56 min 05 s
